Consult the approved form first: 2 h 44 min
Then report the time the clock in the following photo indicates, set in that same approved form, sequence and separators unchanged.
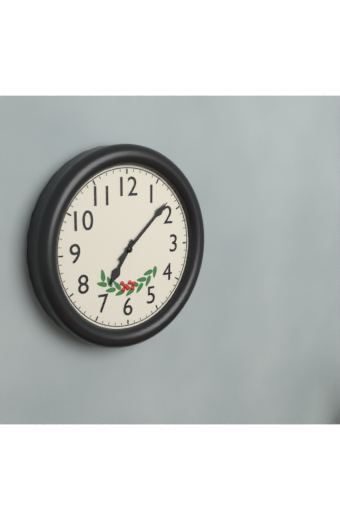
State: 7 h 08 min
